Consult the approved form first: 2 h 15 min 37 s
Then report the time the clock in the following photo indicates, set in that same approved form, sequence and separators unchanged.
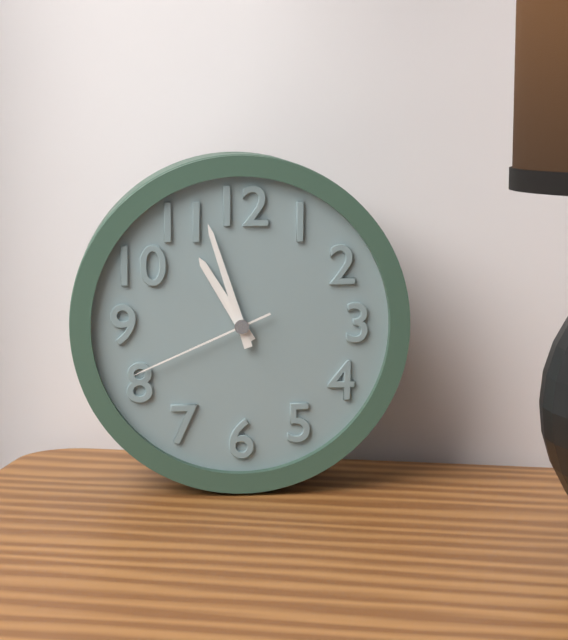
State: 10 h 57 min 41 s
